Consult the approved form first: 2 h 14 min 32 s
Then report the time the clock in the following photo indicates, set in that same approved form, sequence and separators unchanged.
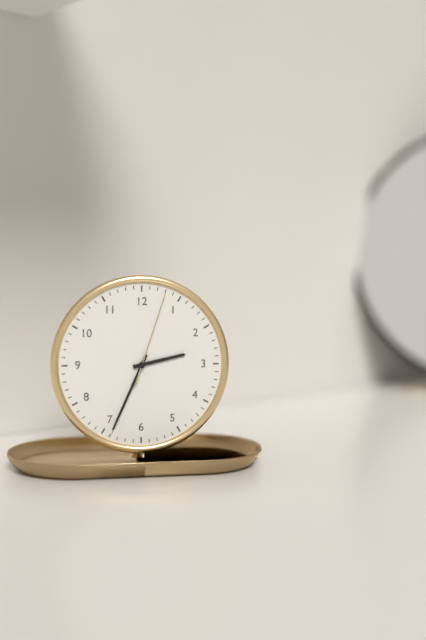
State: 2 h 34 min 03 s
